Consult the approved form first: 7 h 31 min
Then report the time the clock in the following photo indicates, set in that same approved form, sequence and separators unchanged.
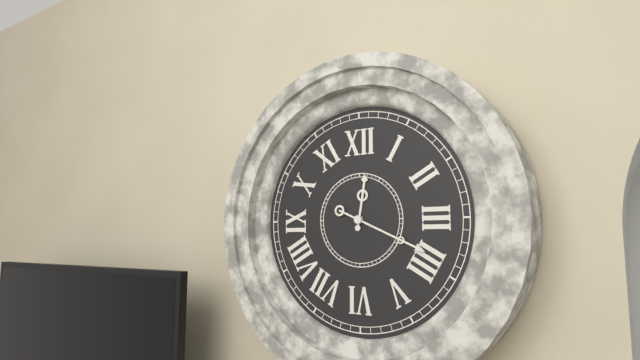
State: 12 h 19 min
